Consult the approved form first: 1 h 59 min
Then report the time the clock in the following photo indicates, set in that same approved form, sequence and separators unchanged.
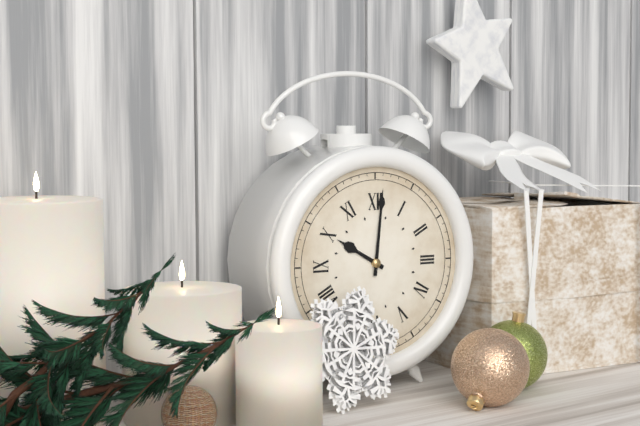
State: 10 h 01 min
